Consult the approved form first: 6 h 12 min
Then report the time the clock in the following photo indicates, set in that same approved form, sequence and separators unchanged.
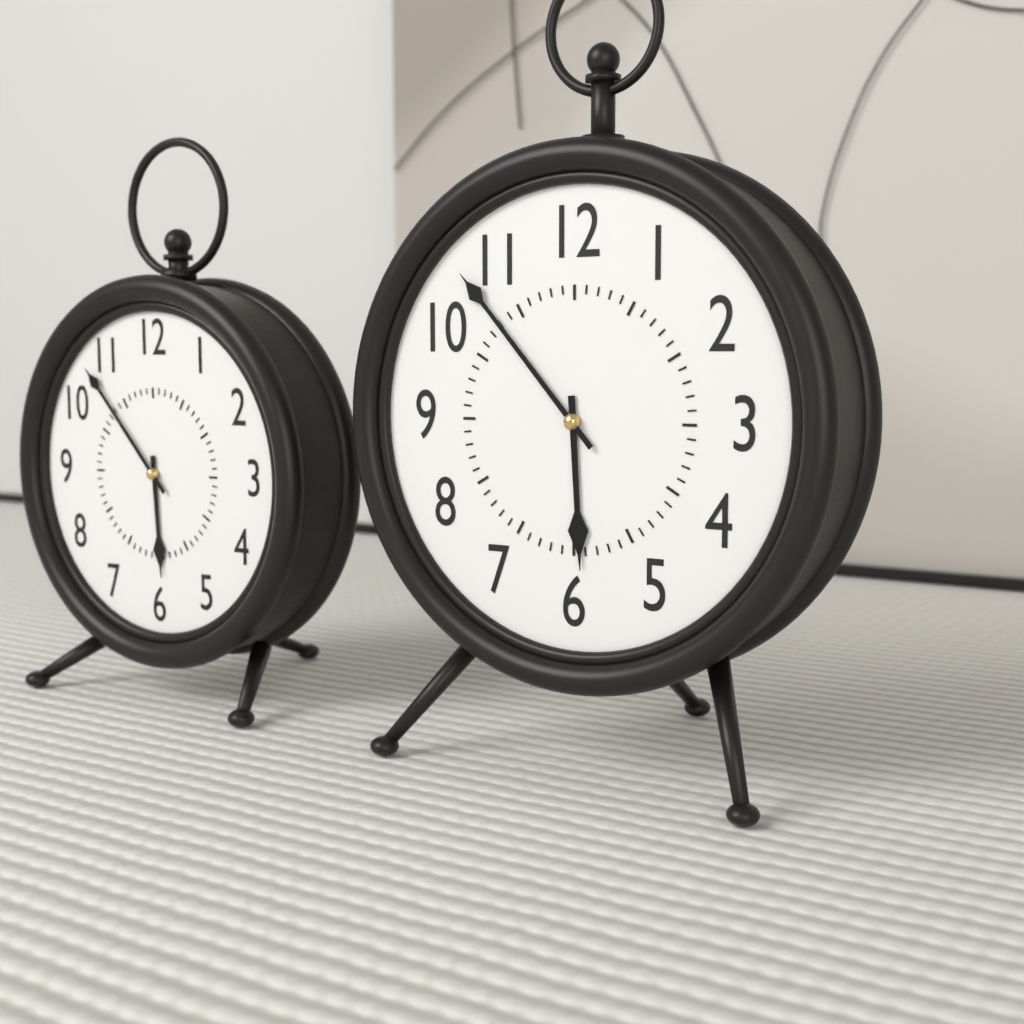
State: 5 h 53 min
